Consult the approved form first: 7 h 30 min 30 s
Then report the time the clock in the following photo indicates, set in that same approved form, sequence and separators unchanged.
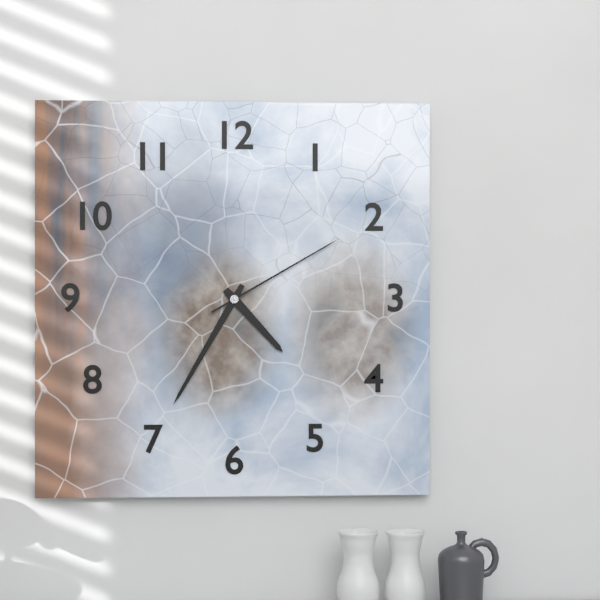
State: 4 h 35 min 10 s
